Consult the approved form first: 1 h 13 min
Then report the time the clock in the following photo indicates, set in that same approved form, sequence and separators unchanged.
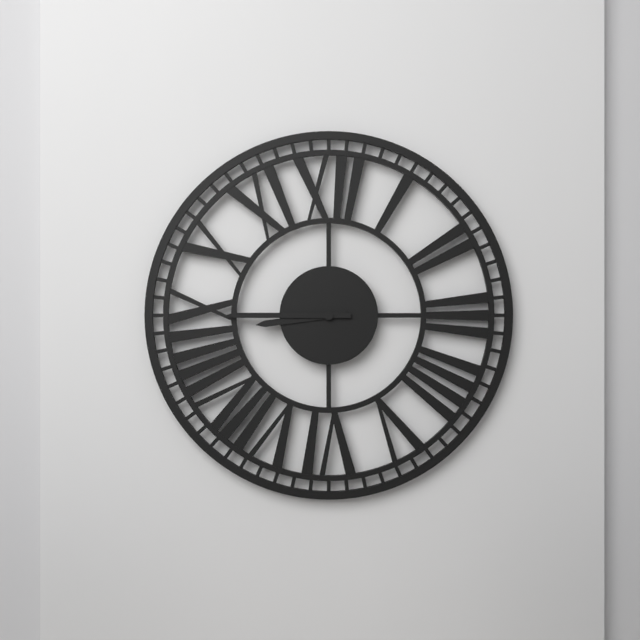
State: 8 h 45 min
